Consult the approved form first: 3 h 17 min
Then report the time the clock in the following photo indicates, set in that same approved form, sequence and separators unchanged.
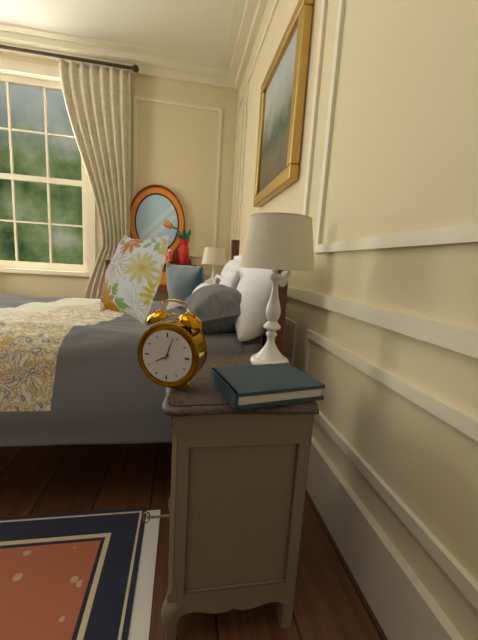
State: 8 h 03 min
